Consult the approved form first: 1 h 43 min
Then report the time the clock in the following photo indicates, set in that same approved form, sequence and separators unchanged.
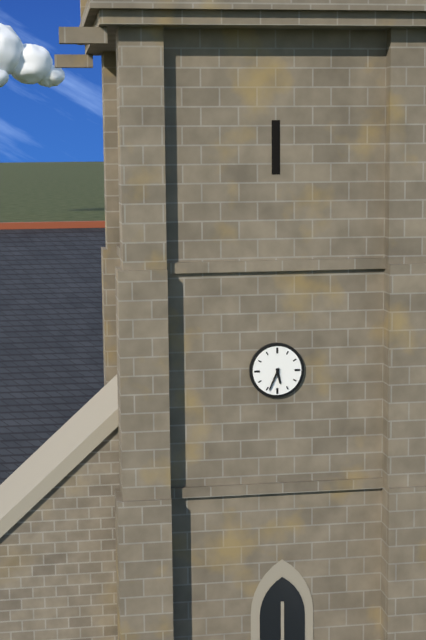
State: 5 h 34 min
